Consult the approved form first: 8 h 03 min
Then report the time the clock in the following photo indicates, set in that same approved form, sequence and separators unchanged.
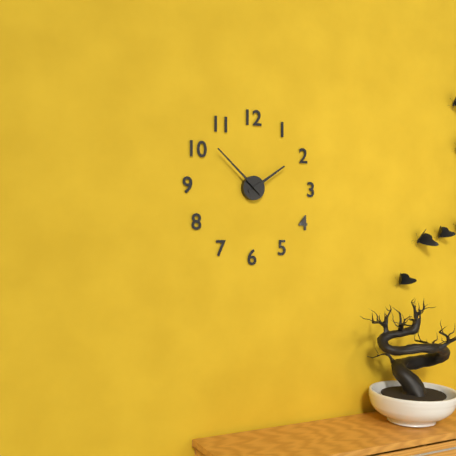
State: 1 h 52 min
